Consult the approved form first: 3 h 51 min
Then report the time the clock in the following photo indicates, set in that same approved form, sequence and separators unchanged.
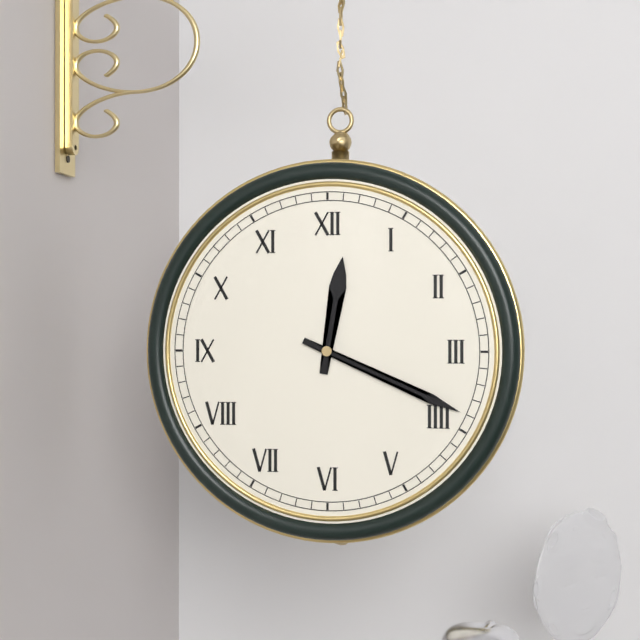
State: 12 h 19 min
